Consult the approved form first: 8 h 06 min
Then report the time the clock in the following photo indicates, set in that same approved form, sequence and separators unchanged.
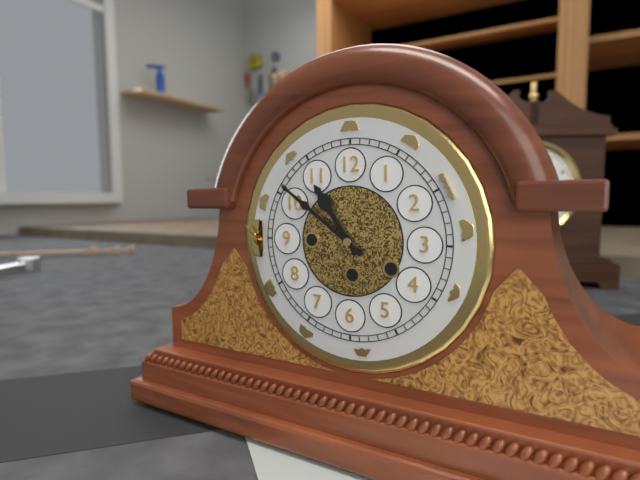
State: 10 h 51 min
